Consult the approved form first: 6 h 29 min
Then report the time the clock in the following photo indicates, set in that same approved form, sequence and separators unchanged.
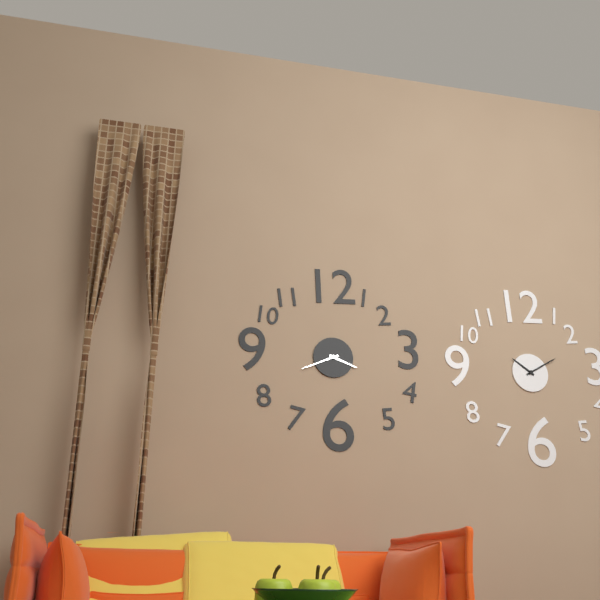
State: 3 h 41 min
